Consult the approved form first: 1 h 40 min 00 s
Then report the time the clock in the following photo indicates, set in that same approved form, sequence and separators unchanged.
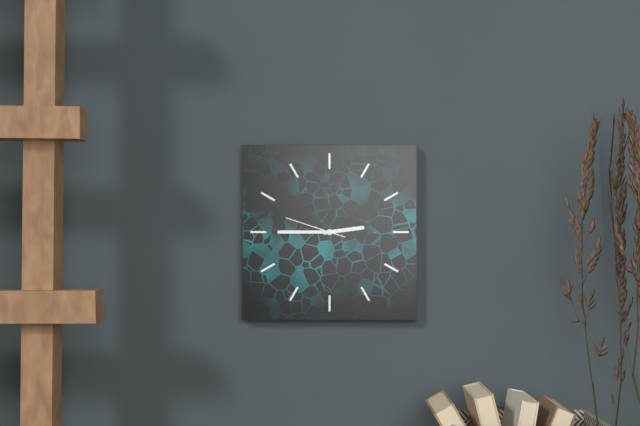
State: 2 h 45 min 48 s
